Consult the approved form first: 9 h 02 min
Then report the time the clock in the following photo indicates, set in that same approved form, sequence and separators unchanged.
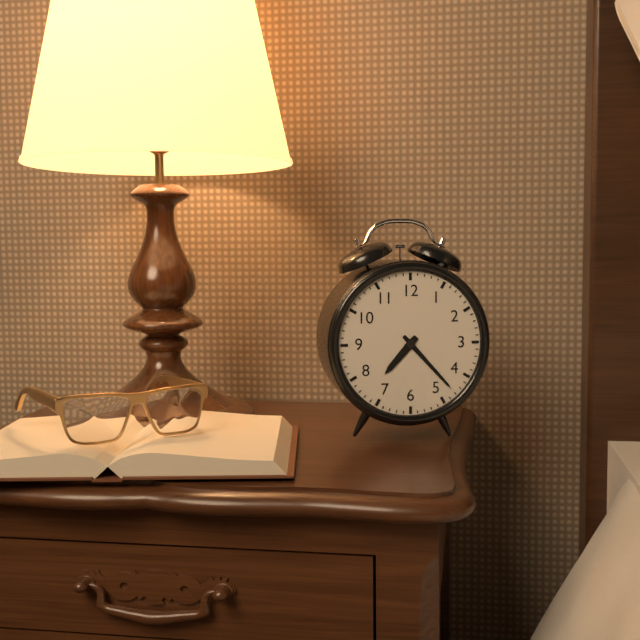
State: 7 h 23 min
